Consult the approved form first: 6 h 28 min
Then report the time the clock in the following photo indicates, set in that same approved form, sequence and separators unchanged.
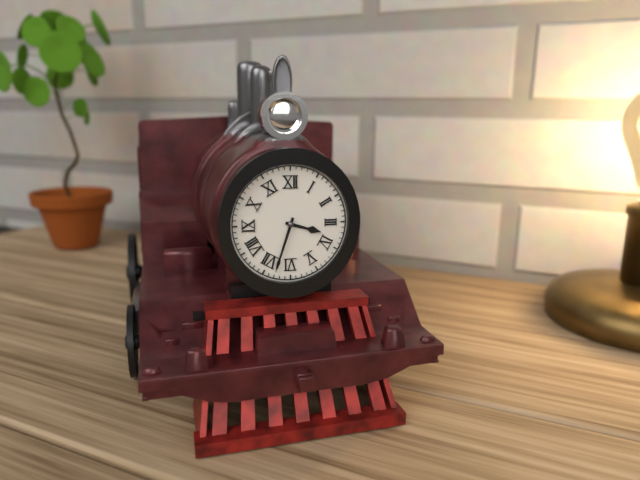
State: 3 h 33 min
